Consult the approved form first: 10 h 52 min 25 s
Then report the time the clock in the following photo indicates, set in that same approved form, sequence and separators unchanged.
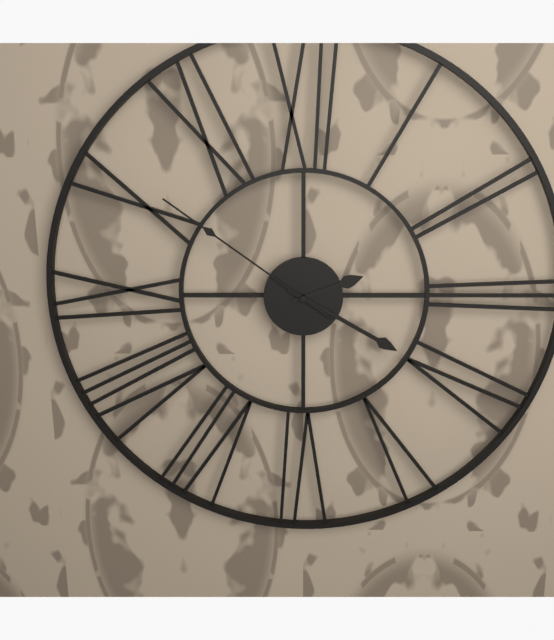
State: 2 h 20 min 51 s
